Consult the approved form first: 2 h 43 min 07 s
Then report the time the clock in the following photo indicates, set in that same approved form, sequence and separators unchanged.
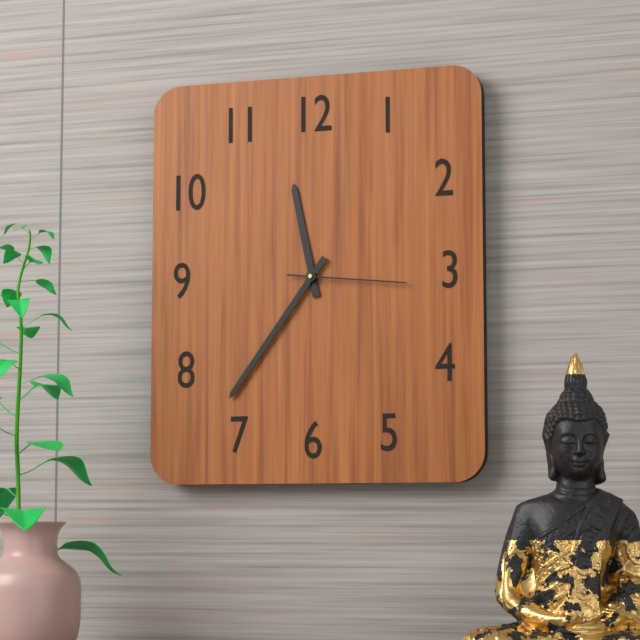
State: 11 h 36 min 16 s
